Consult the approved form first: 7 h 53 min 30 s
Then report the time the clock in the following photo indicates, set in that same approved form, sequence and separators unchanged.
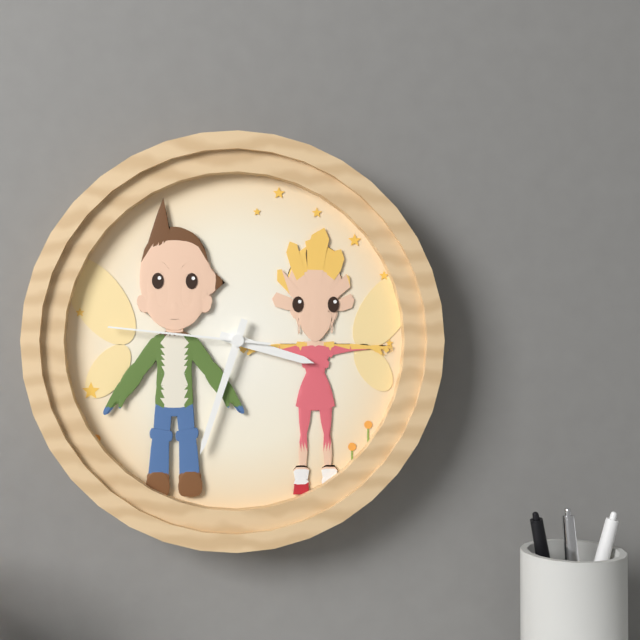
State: 3 h 33 min 46 s
